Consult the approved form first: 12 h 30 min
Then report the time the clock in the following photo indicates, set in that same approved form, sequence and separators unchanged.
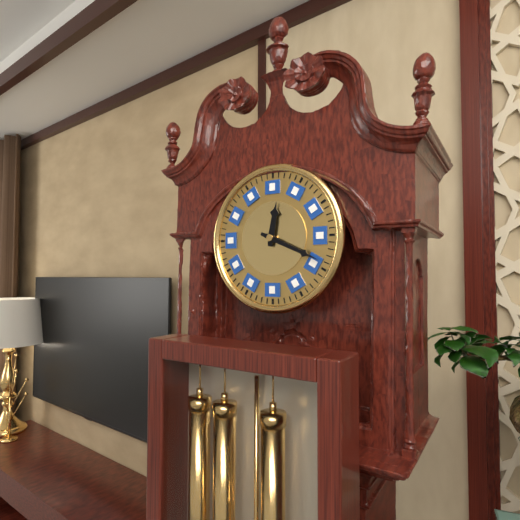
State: 12 h 19 min
